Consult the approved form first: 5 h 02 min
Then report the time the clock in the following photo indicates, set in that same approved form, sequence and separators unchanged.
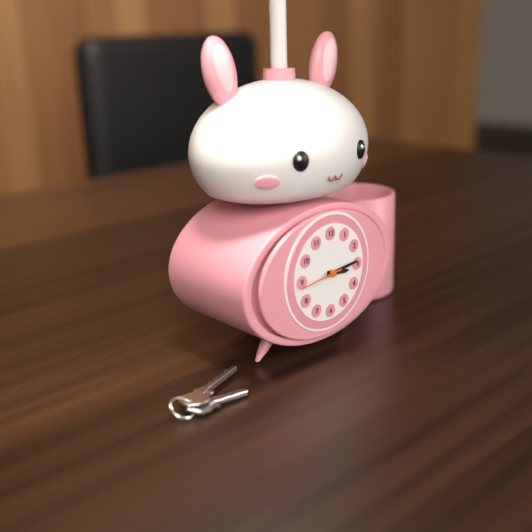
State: 3 h 14 min
